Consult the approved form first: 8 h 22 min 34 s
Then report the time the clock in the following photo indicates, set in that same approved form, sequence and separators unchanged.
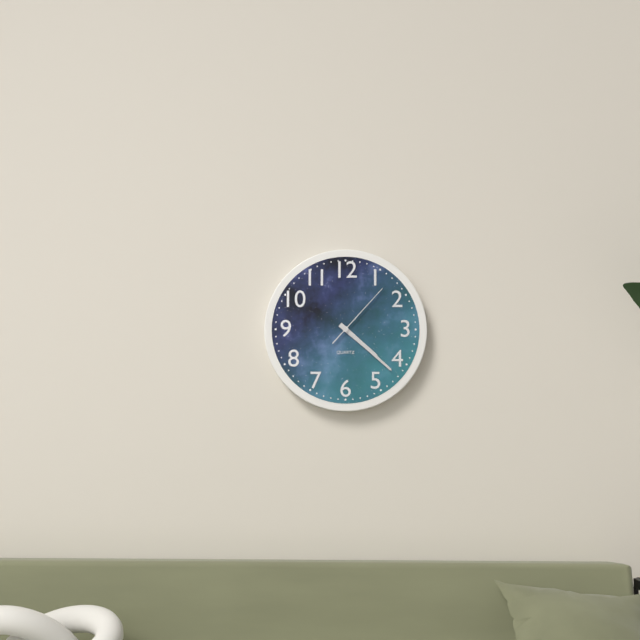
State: 4 h 22 min 07 s
